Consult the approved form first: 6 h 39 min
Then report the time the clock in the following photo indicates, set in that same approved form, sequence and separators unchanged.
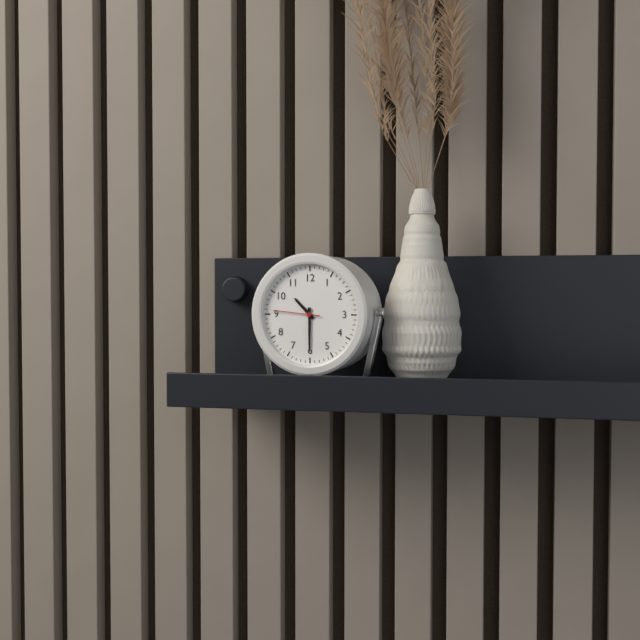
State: 10 h 30 min
